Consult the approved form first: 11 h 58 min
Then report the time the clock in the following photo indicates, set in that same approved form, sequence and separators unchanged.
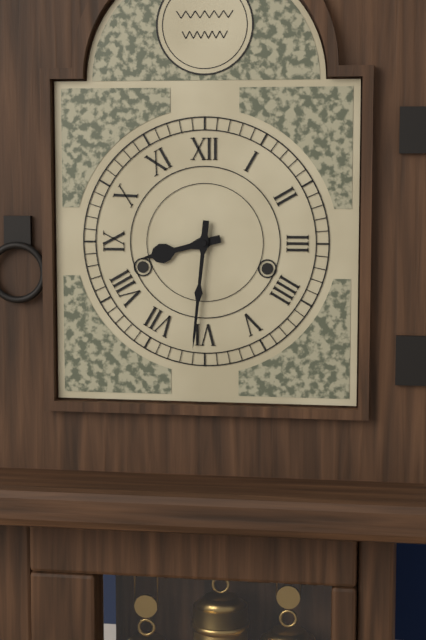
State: 8 h 31 min
